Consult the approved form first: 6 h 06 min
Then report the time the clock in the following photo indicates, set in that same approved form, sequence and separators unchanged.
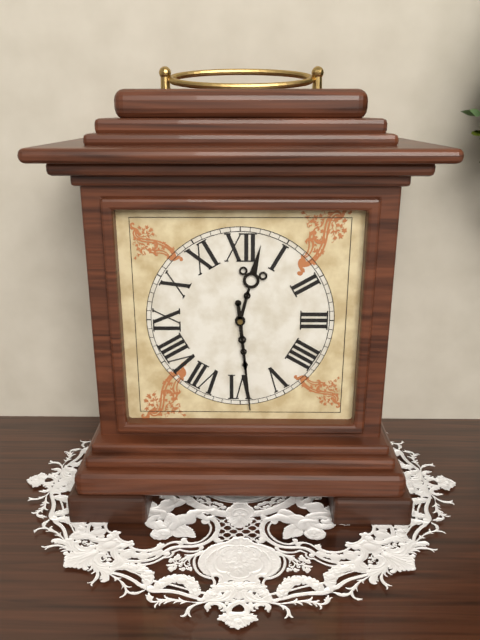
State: 12 h 29 min
